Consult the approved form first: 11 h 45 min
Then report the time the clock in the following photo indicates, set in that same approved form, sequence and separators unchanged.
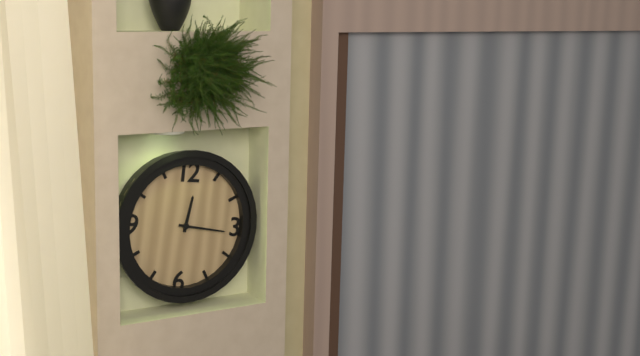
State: 12 h 16 min
